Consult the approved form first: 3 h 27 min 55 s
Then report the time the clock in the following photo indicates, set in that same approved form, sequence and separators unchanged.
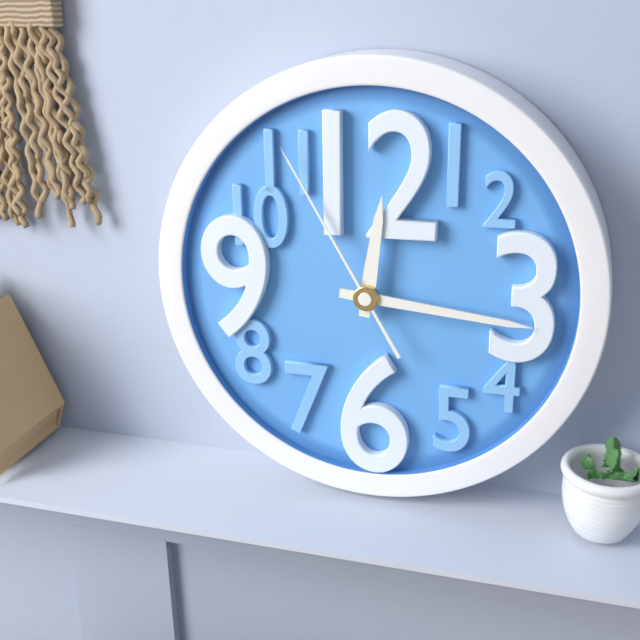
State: 12 h 16 min 55 s
